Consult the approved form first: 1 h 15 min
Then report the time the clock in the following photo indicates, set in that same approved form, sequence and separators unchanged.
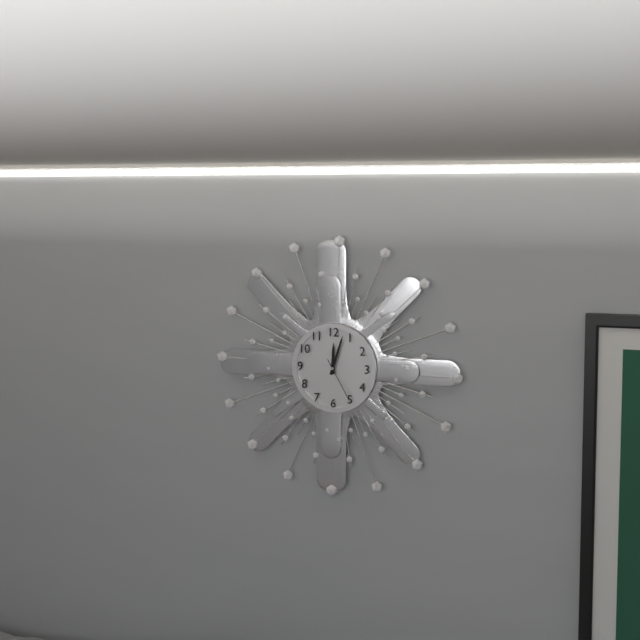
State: 12 h 03 min
